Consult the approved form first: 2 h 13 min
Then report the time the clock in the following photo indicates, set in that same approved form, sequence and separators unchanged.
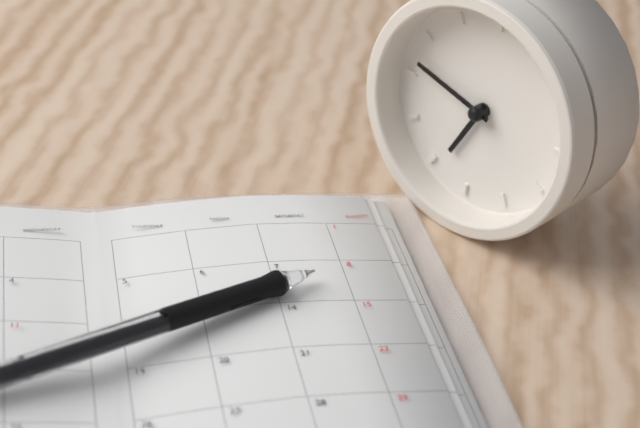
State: 6 h 47 min
